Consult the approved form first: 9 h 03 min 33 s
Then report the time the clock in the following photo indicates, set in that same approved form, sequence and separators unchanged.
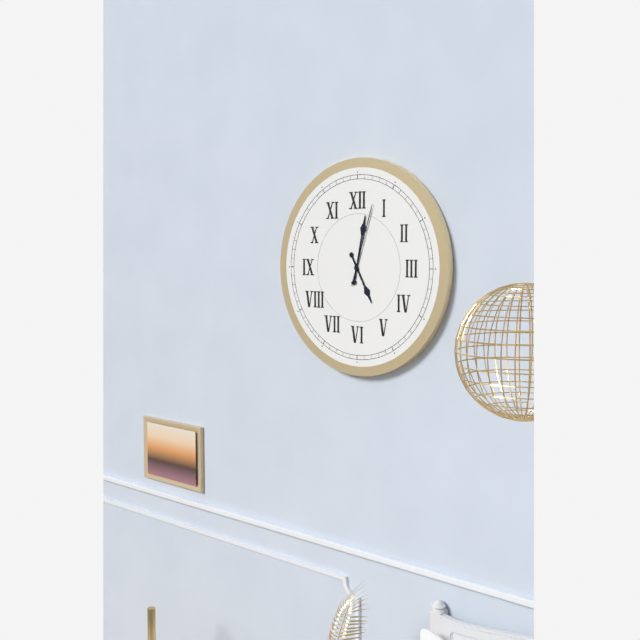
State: 5 h 02 min 03 s
